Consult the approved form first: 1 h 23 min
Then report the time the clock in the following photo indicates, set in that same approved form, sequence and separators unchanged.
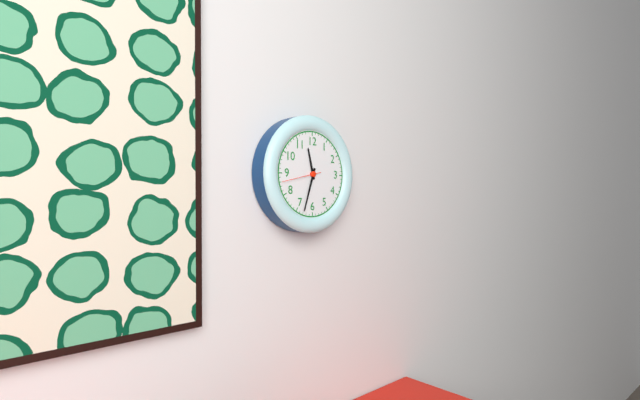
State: 11 h 33 min
